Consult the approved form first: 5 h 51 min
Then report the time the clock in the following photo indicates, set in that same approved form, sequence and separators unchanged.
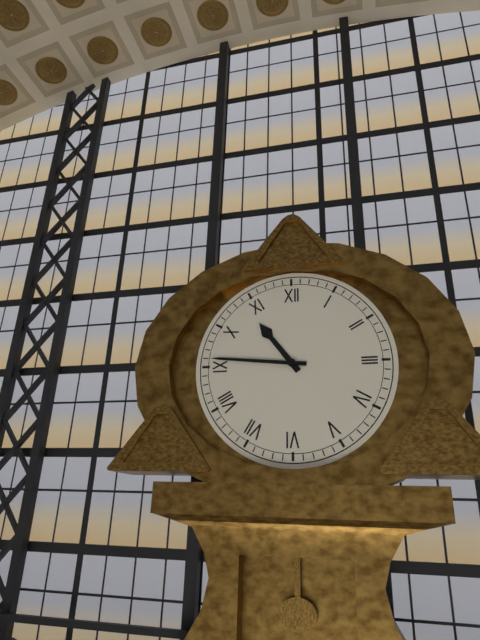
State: 10 h 46 min
